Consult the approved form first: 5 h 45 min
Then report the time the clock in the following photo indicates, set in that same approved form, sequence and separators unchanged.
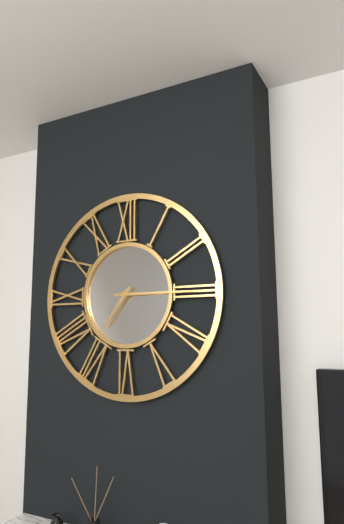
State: 7 h 15 min
